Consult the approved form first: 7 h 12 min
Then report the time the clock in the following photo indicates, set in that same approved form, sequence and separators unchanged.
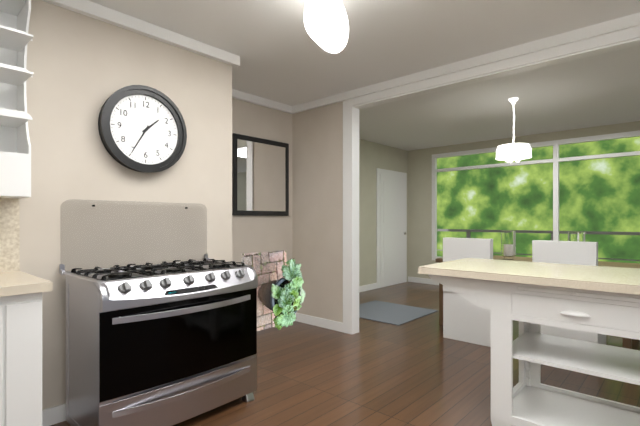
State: 1 h 35 min
